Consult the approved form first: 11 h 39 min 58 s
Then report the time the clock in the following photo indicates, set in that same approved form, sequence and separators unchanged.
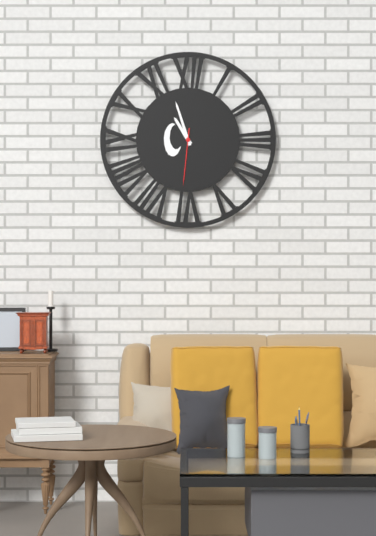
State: 10 h 57 min 31 s
